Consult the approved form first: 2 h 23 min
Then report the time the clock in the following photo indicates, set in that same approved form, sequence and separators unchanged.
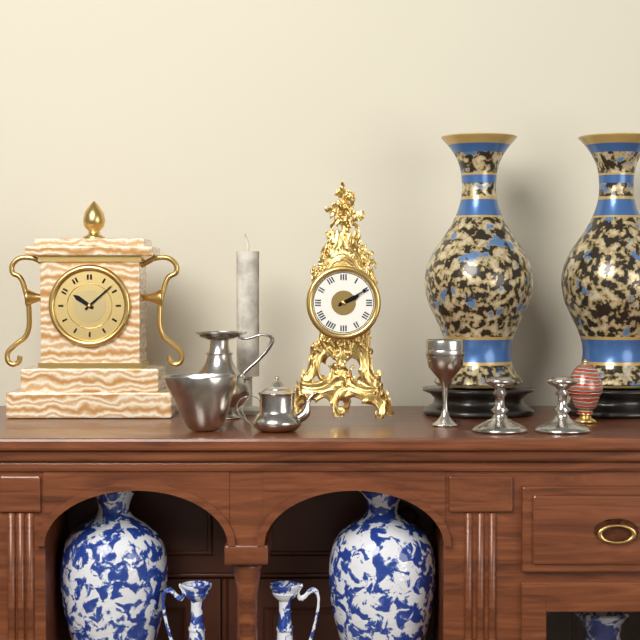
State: 2 h 10 min
